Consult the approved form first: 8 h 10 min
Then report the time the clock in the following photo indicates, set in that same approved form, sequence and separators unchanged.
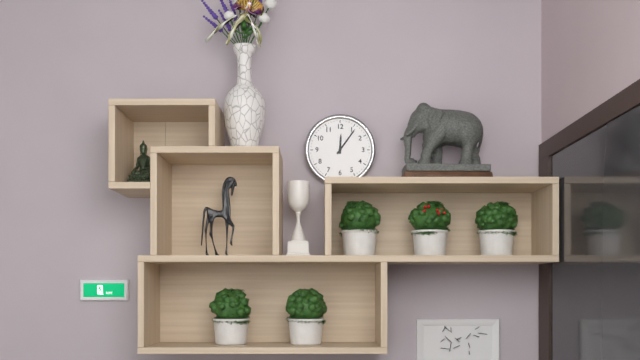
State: 12 h 06 min
